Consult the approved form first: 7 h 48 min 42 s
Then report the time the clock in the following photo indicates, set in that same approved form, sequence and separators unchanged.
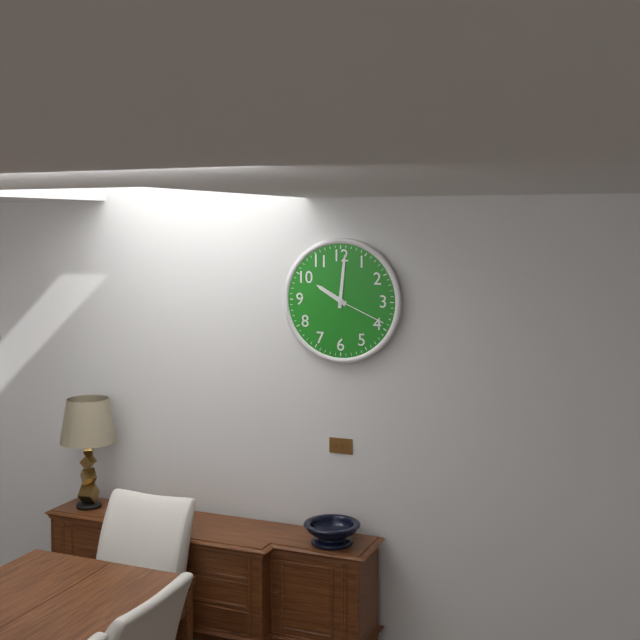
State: 10 h 01 min 19 s
